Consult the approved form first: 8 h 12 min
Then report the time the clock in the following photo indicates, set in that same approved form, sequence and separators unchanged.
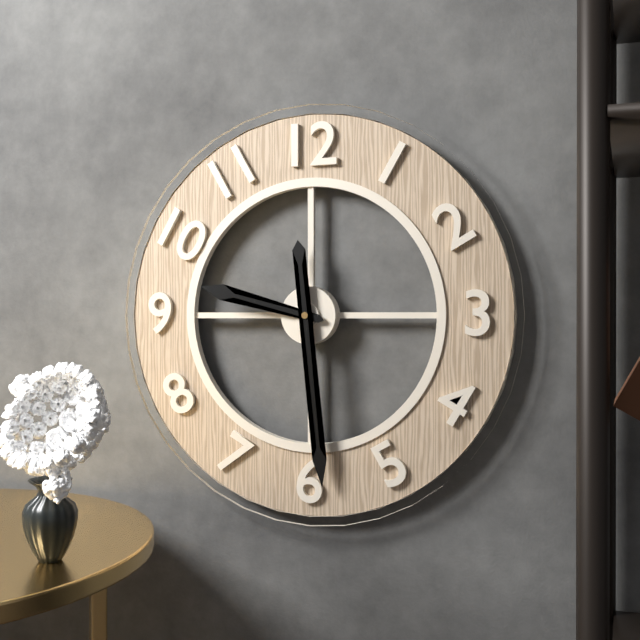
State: 9 h 29 min
